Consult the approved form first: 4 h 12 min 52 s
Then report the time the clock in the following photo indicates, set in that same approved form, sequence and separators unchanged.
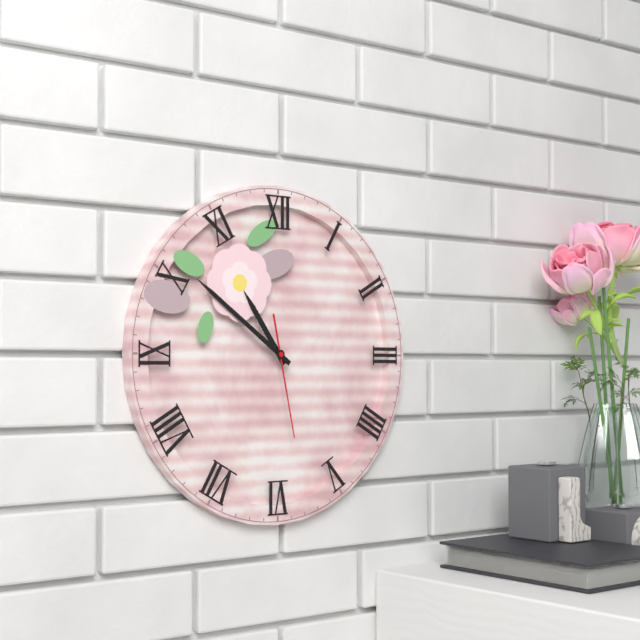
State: 10 h 51 min 28 s
